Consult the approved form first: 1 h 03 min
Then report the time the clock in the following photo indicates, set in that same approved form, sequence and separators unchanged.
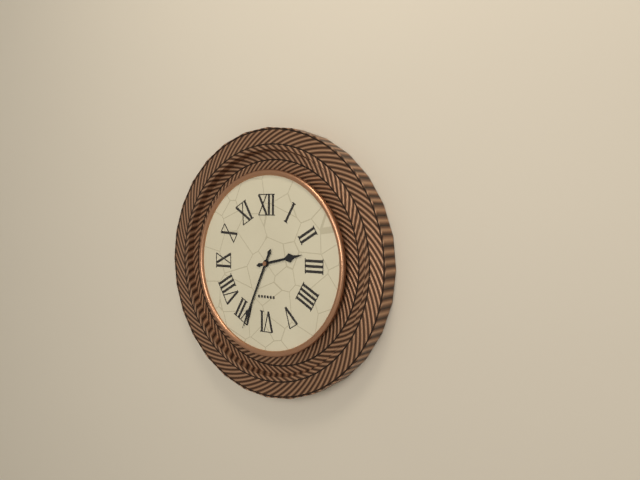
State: 2 h 34 min
